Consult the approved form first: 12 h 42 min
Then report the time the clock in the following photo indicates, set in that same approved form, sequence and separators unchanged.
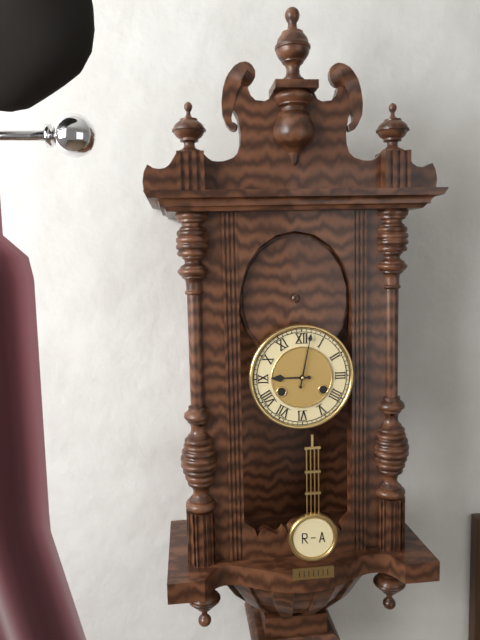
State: 9 h 02 min
